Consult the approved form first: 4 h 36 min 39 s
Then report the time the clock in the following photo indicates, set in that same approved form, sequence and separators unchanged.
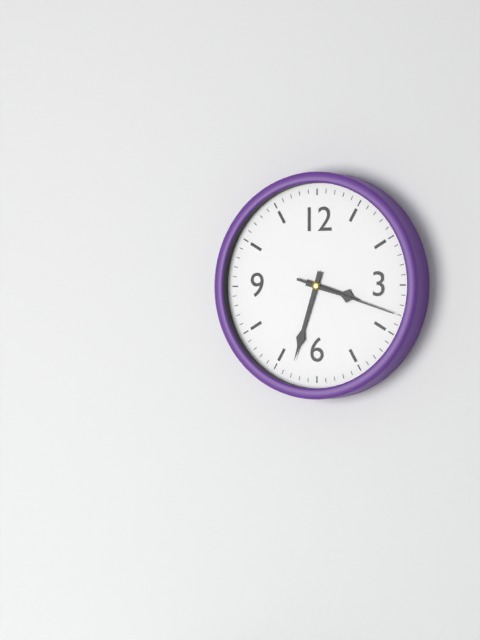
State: 3 h 33 min 18 s
